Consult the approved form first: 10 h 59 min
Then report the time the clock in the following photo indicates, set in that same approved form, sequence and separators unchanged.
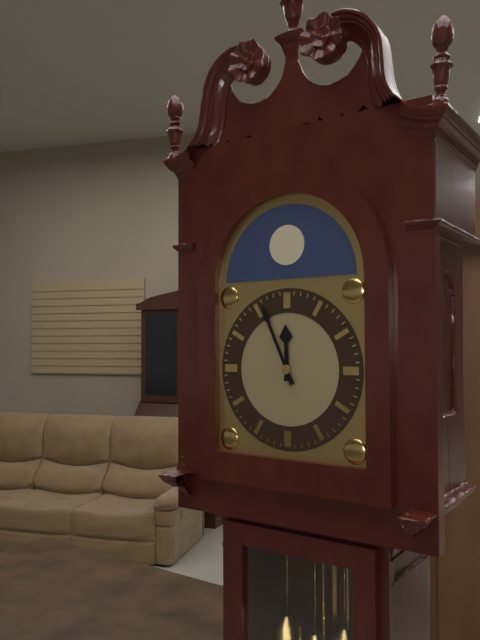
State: 11 h 56 min
